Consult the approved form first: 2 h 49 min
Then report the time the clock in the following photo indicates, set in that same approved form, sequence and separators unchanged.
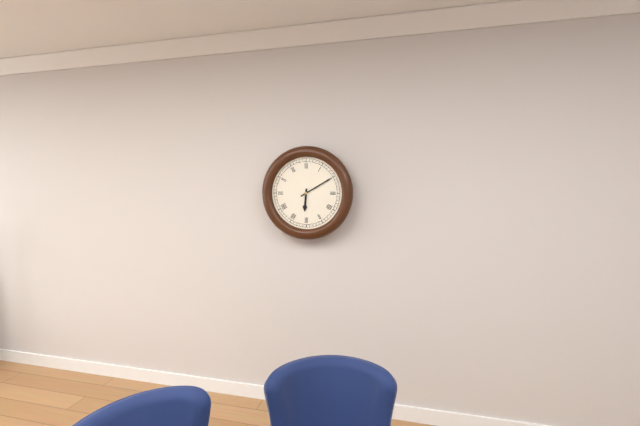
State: 6 h 10 min
